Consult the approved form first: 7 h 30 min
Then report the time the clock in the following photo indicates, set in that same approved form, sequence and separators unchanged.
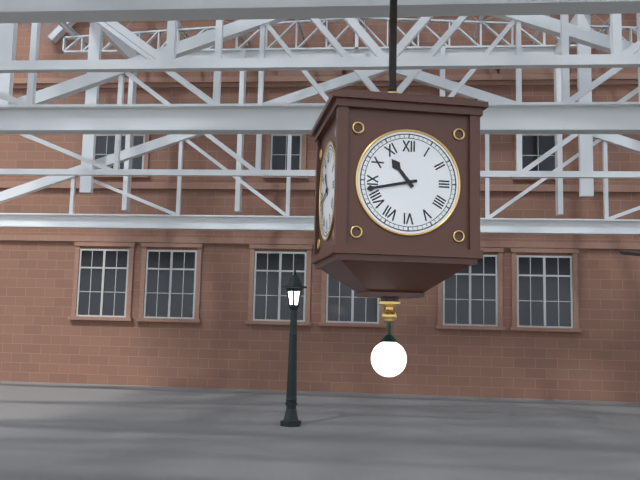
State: 10 h 43 min
